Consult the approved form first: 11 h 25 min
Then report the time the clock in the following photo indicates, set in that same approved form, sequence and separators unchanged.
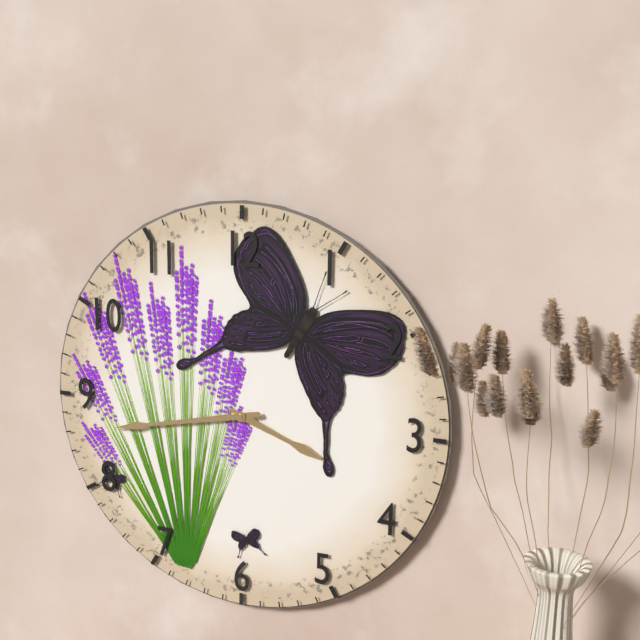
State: 3 h 43 min
